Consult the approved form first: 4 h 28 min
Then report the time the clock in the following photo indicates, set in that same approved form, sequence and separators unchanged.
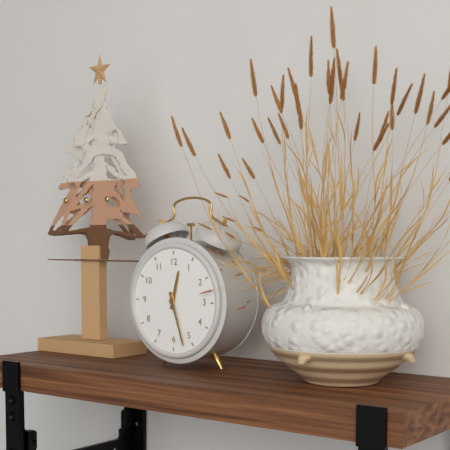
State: 12 h 27 min
